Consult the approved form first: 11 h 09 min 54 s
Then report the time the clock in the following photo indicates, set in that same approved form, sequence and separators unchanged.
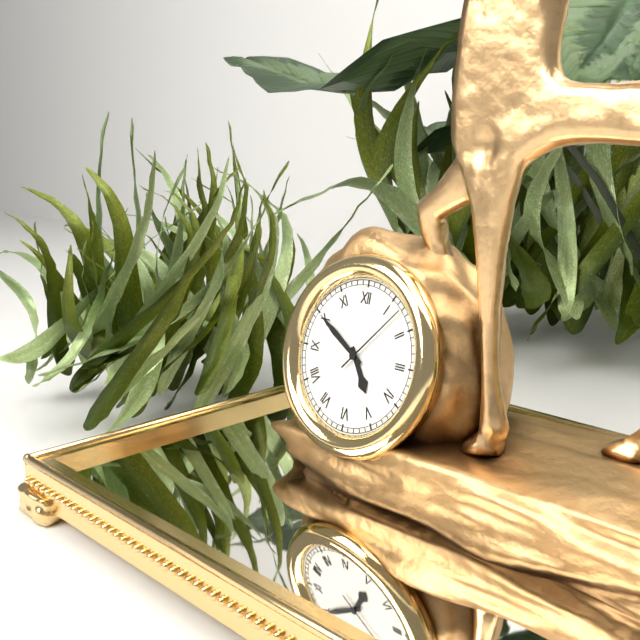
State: 4 h 50 min 07 s
